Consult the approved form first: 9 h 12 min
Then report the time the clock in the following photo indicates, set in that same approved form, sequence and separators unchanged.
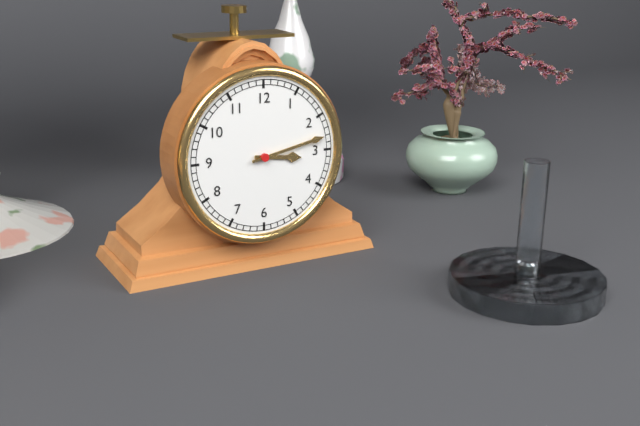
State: 3 h 13 min
